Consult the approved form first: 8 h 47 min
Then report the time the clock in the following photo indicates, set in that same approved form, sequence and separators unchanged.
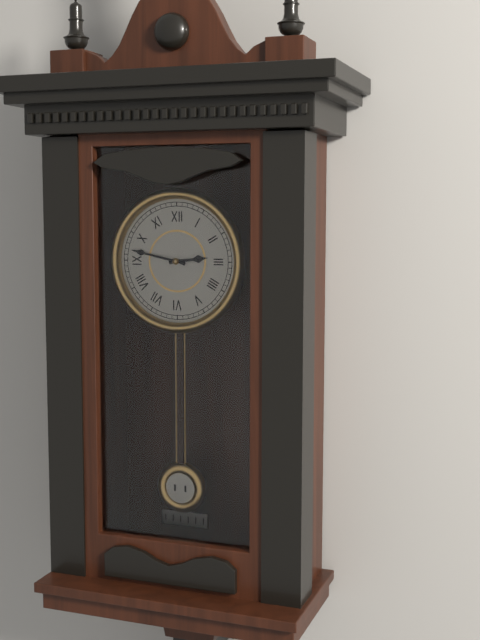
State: 2 h 47 min
